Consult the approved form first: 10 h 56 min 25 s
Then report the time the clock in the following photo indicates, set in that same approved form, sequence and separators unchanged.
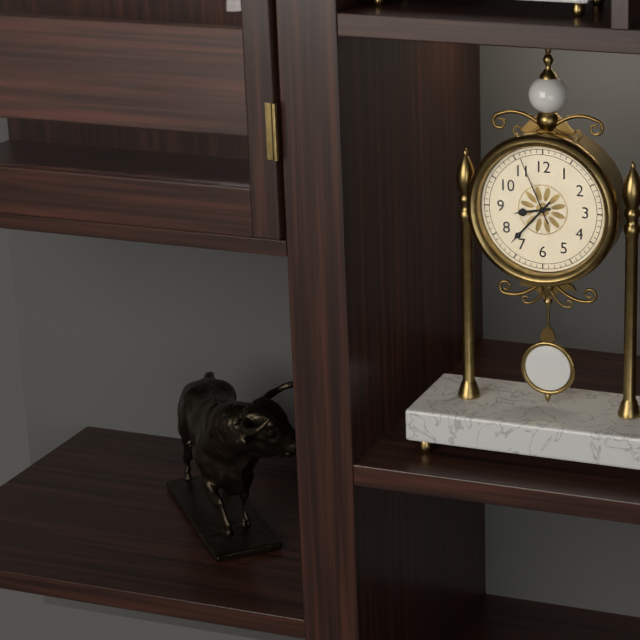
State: 8 h 37 min 56 s
